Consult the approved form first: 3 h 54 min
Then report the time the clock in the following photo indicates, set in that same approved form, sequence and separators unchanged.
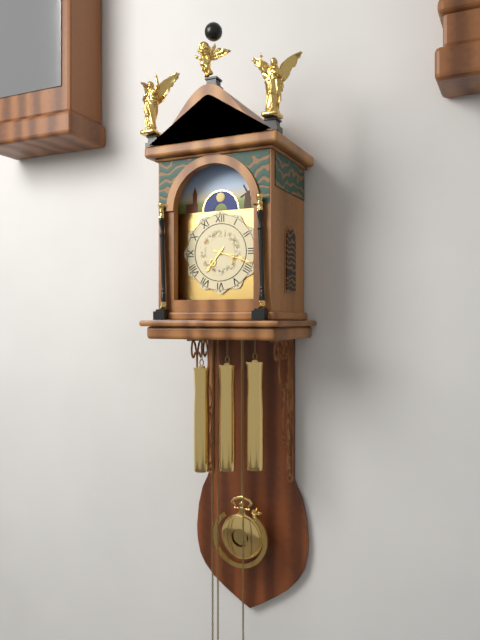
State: 7 h 18 min
